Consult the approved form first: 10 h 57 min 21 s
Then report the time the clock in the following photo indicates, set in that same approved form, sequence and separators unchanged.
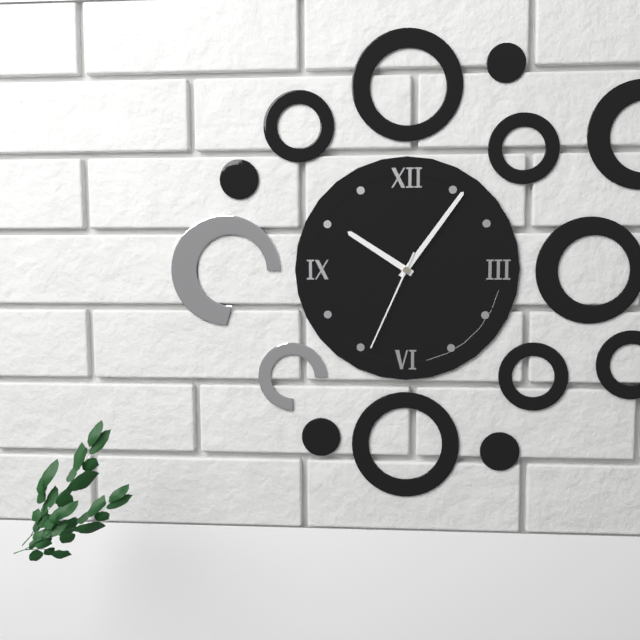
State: 10 h 06 min 34 s
